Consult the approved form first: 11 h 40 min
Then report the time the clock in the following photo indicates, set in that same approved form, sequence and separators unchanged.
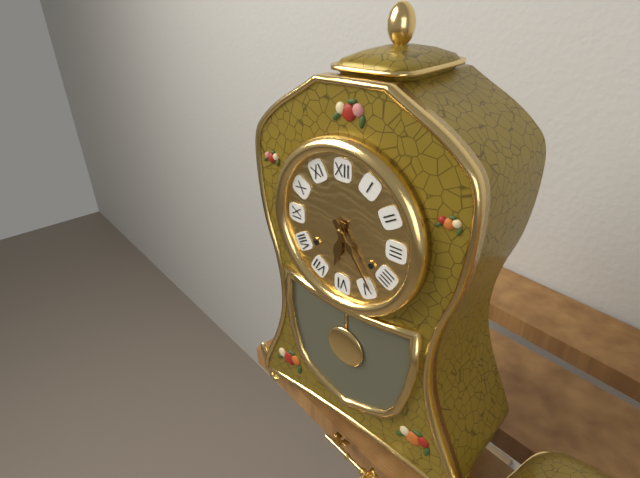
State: 6 h 24 min
